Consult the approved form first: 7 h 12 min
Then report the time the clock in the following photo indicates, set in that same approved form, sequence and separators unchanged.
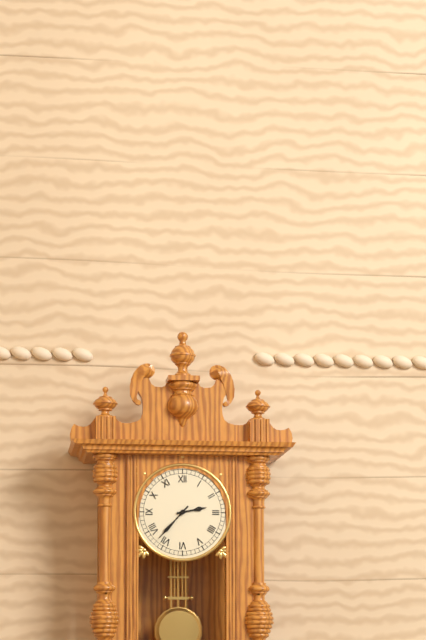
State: 2 h 37 min
